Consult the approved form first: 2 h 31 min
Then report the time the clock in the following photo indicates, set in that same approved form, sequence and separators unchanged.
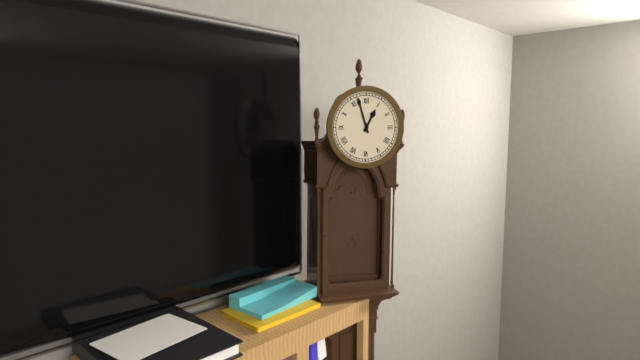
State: 12 h 57 min
